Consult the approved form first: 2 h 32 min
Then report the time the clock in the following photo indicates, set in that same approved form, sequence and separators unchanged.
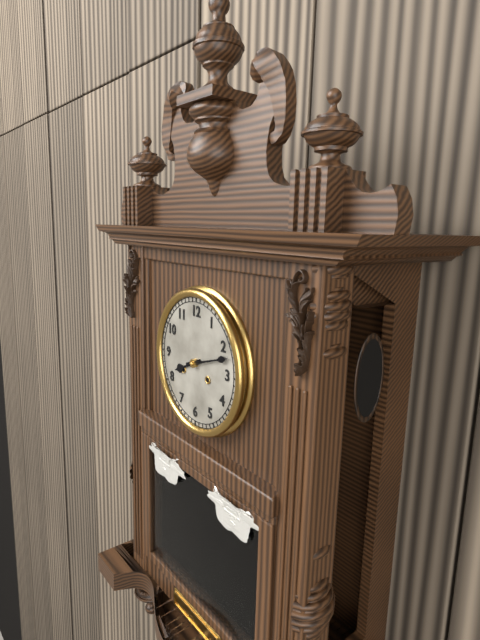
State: 8 h 12 min
